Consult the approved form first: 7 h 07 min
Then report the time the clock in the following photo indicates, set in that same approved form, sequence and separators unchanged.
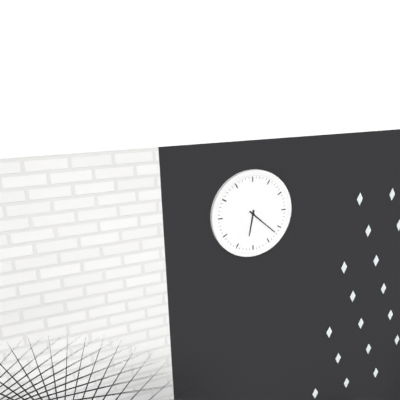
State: 6 h 22 min
